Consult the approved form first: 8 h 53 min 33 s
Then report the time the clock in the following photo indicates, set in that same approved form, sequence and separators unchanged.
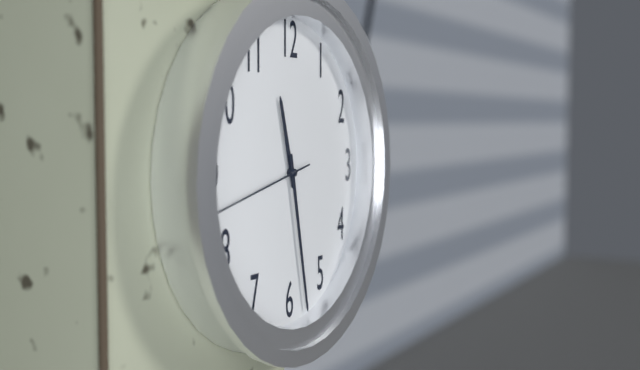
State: 11 h 28 min 43 s
